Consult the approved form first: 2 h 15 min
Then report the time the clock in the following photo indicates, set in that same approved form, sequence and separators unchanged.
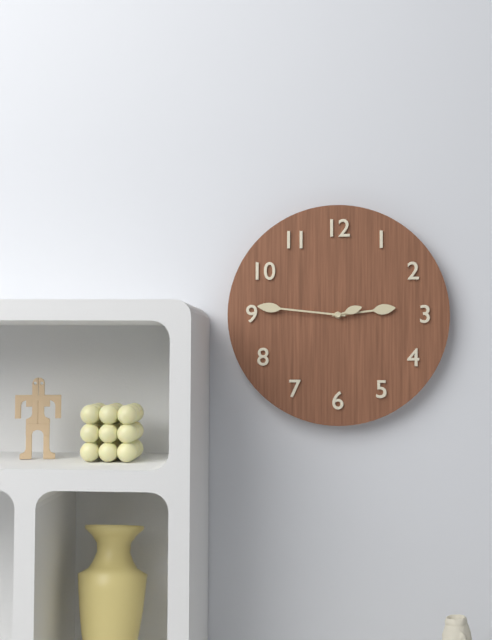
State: 2 h 46 min
